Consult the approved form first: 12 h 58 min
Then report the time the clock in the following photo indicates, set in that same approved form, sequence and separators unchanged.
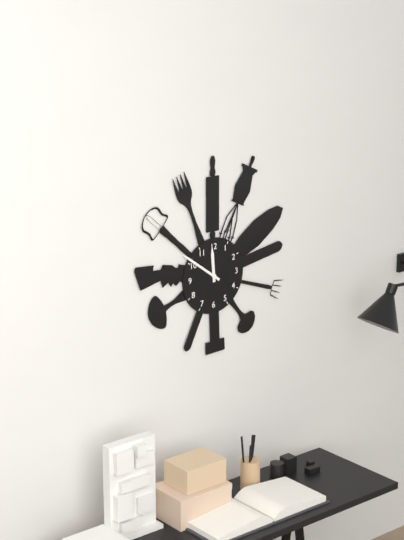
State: 11 h 51 min
